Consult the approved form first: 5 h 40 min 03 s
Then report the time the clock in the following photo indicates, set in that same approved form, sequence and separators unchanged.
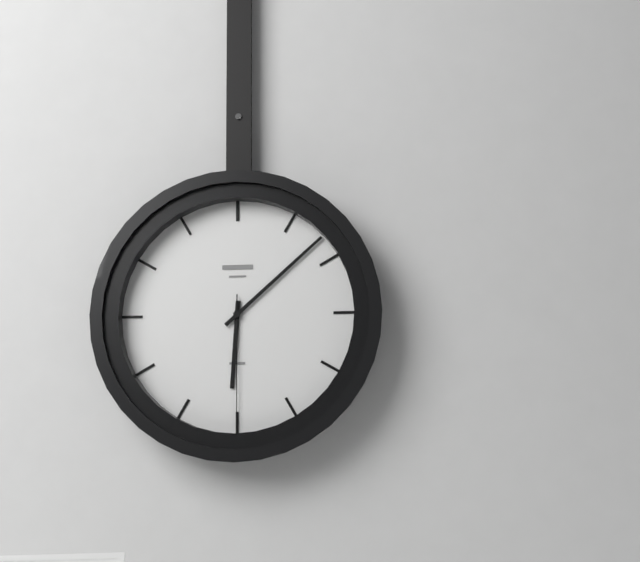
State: 6 h 08 min 30 s
